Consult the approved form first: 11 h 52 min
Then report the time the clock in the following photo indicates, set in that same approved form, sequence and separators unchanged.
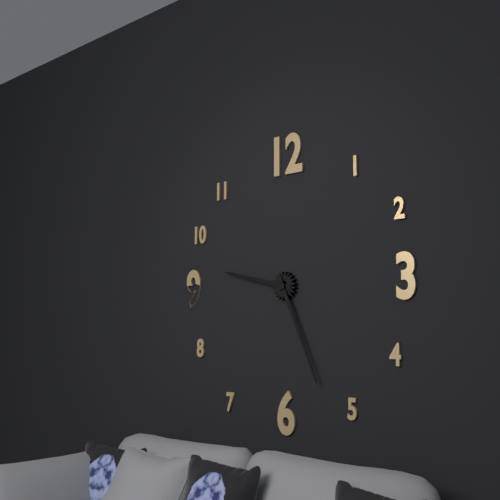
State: 9 h 26 min
